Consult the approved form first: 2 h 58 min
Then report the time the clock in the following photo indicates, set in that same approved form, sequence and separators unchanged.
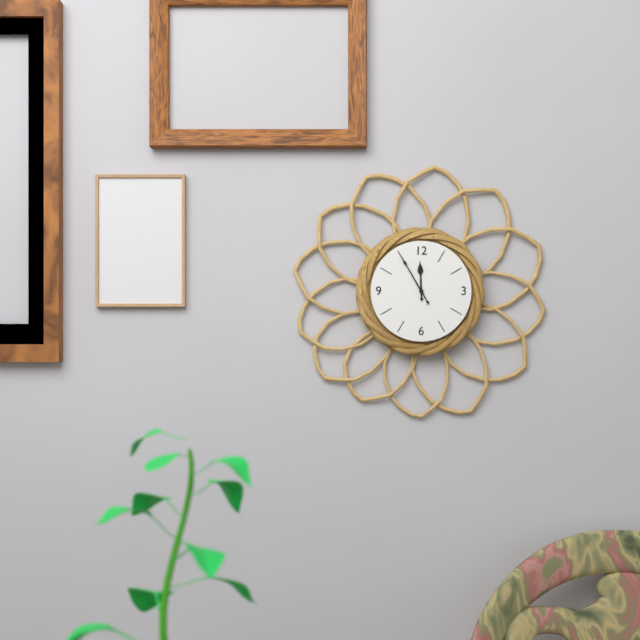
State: 11 h 55 min
